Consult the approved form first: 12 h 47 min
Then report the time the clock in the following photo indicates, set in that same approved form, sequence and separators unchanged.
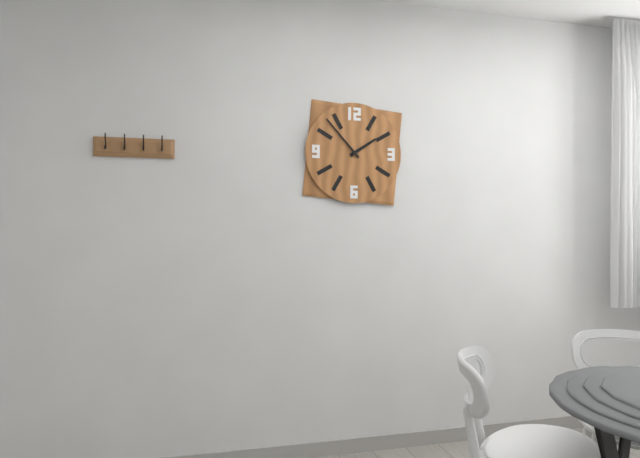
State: 1 h 53 min
